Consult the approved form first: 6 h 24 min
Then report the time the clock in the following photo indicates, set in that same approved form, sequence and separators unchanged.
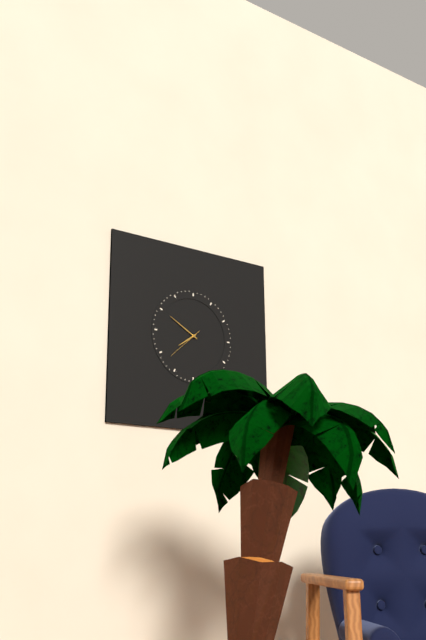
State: 7 h 50 min
